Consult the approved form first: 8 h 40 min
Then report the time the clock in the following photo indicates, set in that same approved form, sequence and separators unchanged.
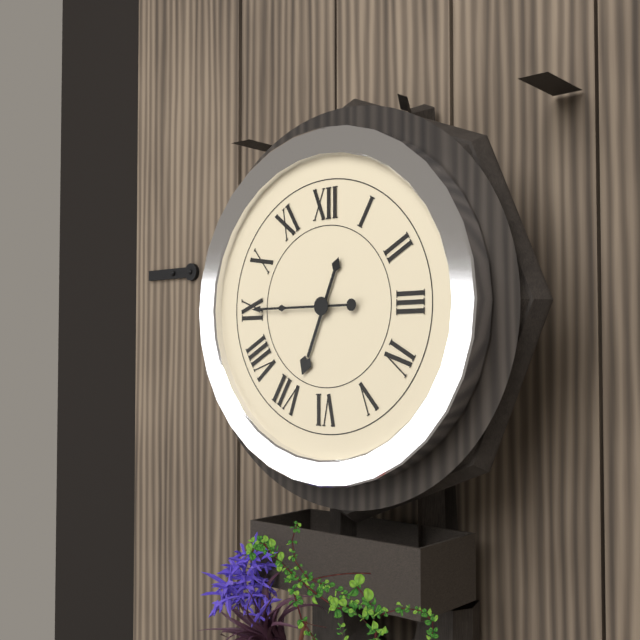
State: 6 h 45 min
